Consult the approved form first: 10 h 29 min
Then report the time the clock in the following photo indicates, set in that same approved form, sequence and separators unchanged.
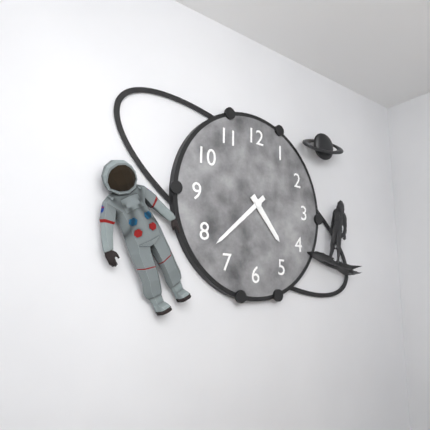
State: 4 h 38 min
